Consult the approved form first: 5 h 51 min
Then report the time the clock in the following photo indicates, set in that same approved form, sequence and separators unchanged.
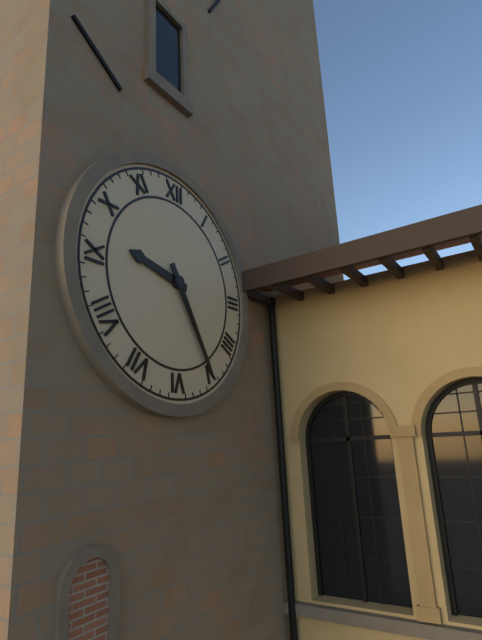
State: 9 h 25 min
